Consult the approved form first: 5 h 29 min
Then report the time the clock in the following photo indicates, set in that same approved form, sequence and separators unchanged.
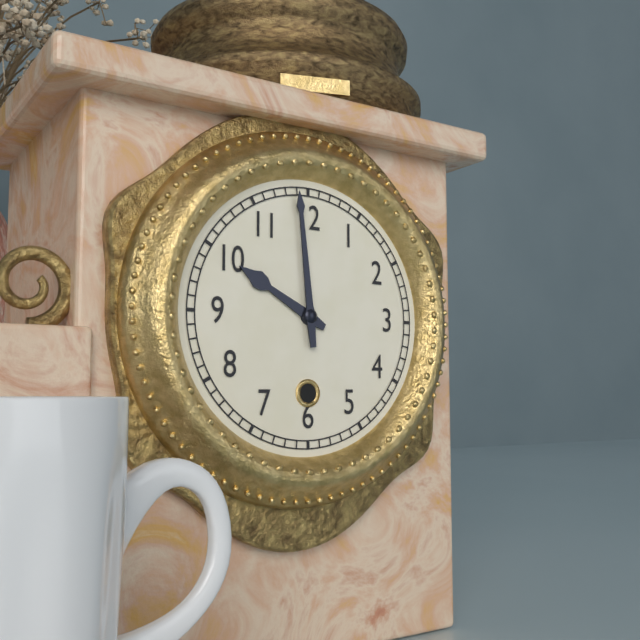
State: 9 h 59 min
